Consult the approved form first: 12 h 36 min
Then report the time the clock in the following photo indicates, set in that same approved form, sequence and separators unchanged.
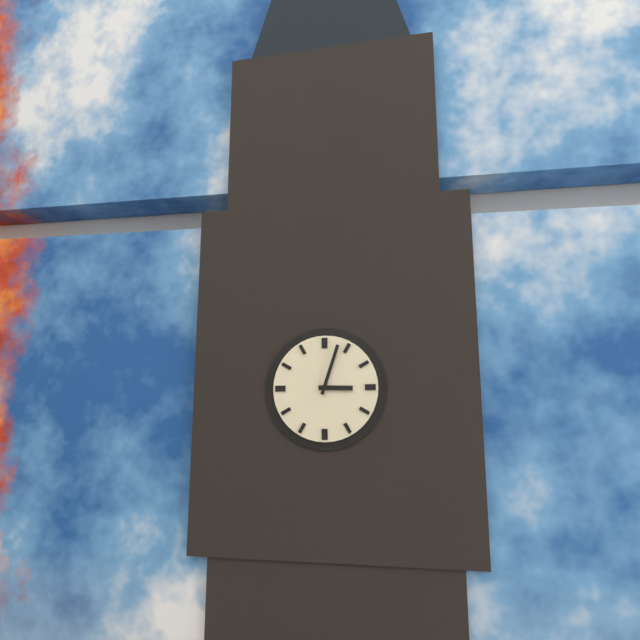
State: 3 h 03 min
